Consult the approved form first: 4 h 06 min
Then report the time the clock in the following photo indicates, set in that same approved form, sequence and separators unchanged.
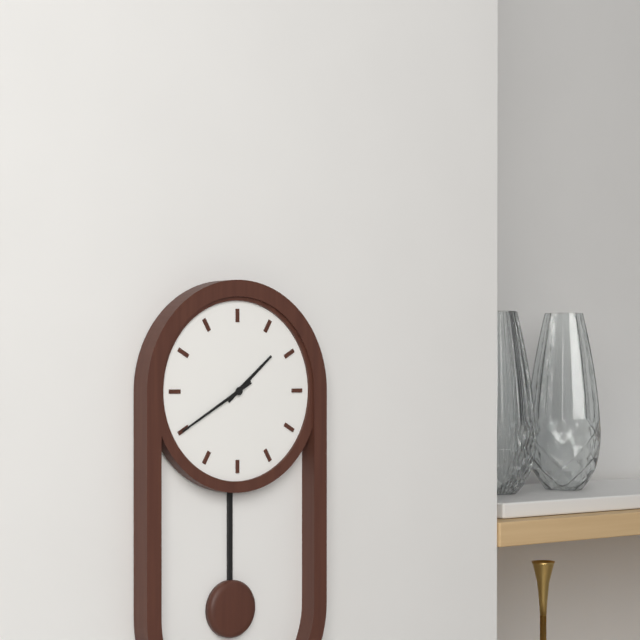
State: 1 h 40 min
